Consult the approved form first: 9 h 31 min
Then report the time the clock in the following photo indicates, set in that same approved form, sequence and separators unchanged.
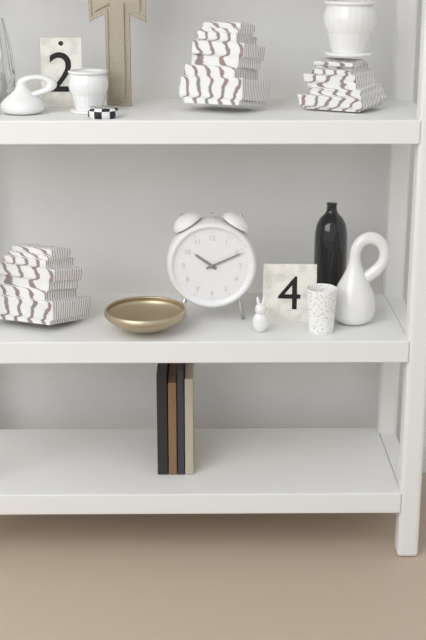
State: 10 h 11 min
